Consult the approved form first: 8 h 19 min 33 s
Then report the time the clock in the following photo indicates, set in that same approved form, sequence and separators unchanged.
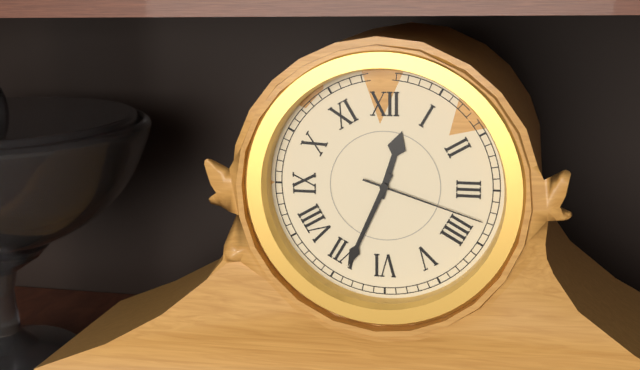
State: 12 h 34 min 18 s
